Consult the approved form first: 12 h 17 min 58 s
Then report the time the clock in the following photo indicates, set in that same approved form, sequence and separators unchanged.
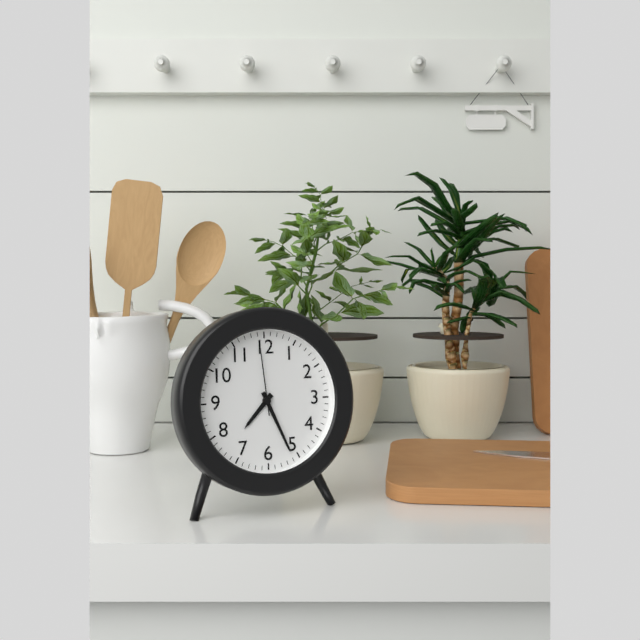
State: 7 h 26 min 59 s
